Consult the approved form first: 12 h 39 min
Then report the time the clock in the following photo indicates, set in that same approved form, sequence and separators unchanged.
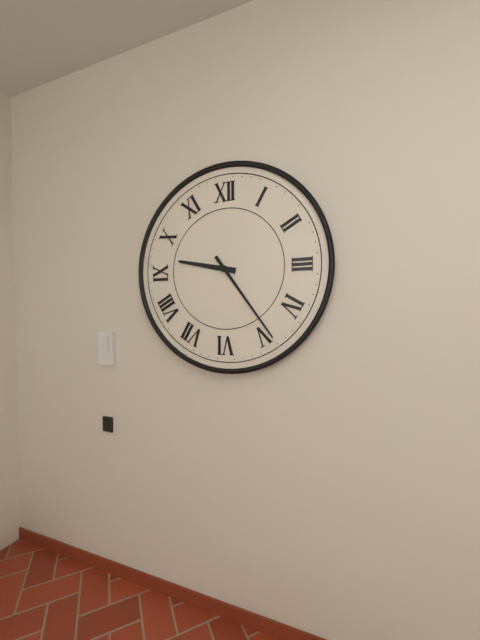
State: 9 h 24 min
